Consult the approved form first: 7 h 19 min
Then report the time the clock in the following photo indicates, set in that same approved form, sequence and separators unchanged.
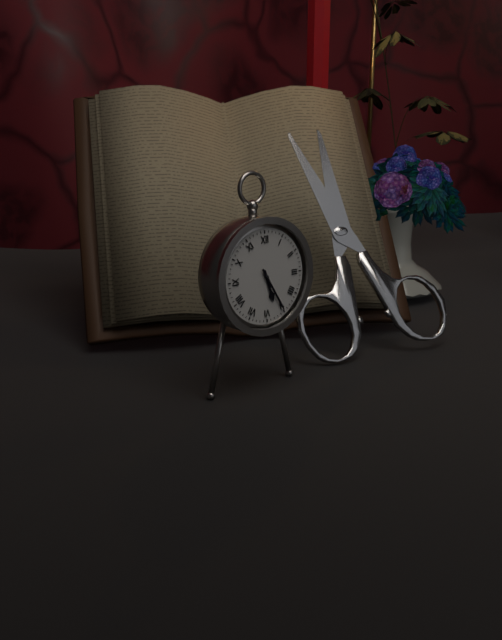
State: 5 h 25 min
